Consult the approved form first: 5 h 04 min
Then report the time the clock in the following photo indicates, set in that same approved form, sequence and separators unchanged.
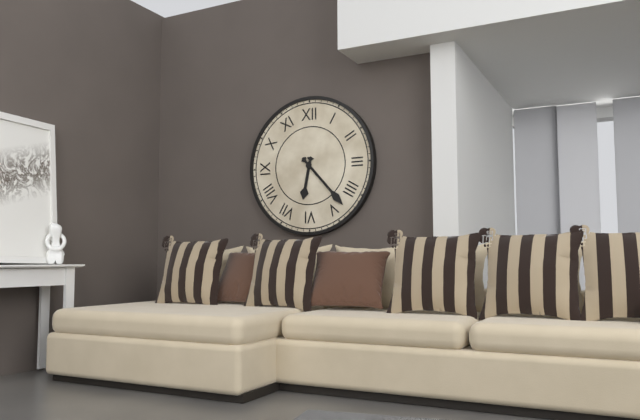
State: 6 h 23 min
